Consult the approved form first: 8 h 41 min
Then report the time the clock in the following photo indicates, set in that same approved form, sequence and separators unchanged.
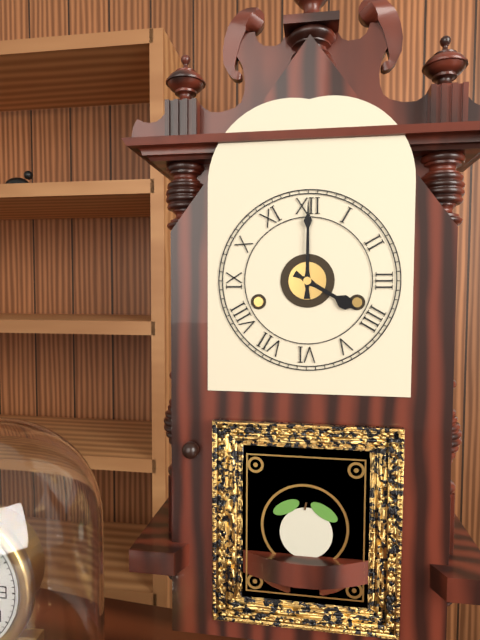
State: 4 h 00 min
